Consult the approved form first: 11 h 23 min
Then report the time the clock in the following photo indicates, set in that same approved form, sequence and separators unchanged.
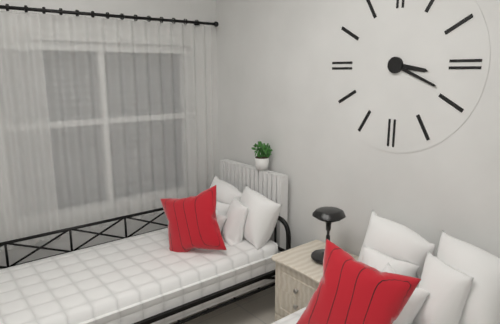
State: 3 h 19 min
